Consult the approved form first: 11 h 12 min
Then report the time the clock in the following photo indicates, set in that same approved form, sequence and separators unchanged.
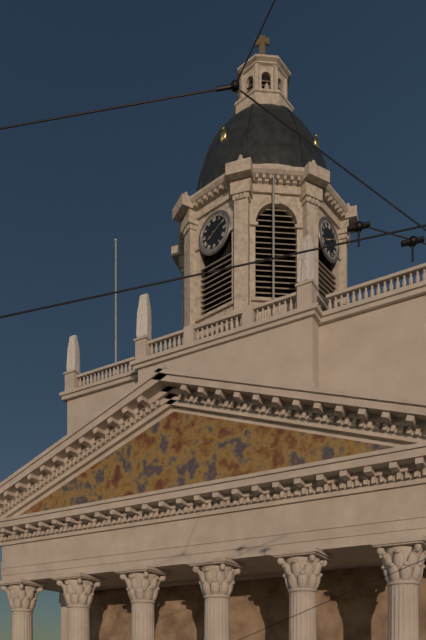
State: 8 h 10 min
